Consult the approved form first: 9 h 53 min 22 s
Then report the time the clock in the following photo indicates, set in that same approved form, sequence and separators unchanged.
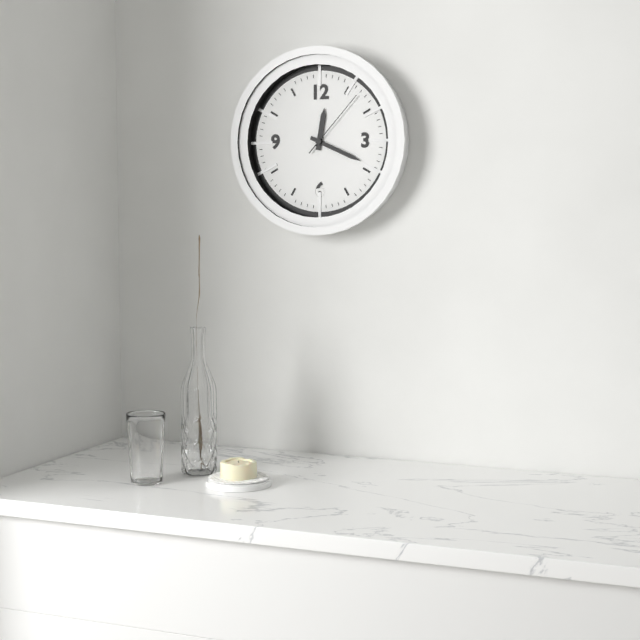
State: 12 h 19 min 07 s
